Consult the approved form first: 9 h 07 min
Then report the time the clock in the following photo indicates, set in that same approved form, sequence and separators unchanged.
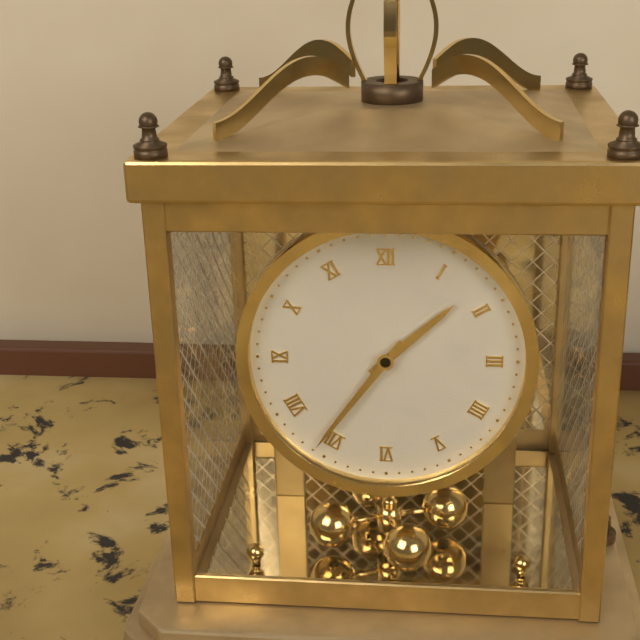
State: 1 h 36 min
